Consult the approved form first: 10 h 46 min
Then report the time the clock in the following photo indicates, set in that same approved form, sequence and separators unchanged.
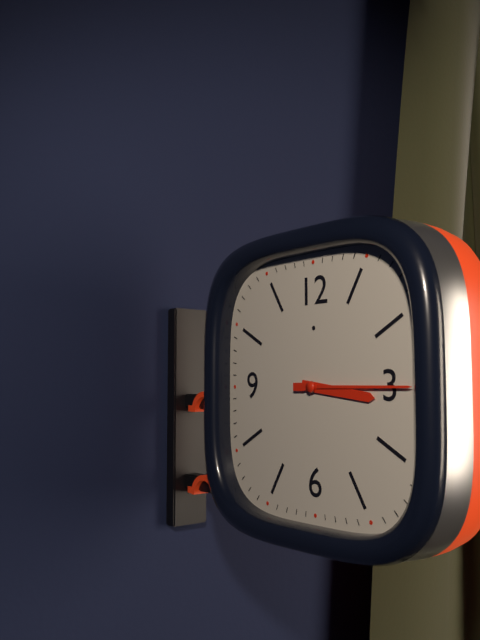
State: 3 h 15 min
